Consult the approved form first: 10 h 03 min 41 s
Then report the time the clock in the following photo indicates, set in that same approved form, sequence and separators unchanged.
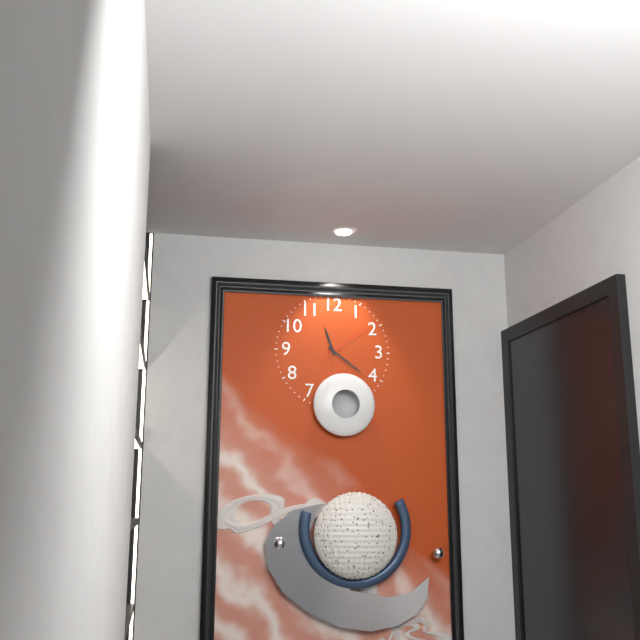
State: 11 h 21 min 09 s
